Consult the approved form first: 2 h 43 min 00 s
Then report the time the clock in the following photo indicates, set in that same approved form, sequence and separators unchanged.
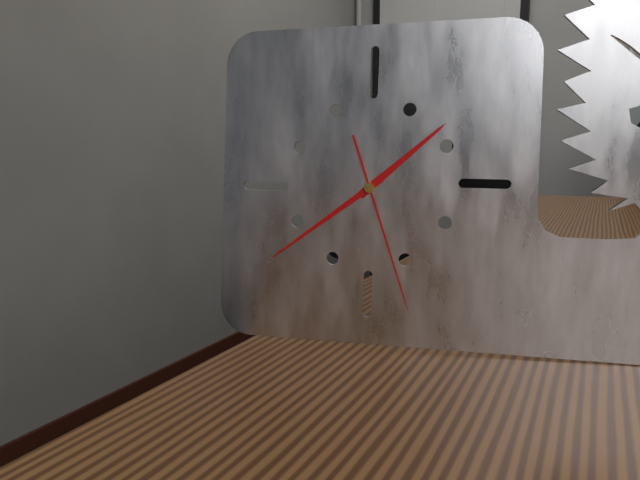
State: 1 h 39 min 27 s
